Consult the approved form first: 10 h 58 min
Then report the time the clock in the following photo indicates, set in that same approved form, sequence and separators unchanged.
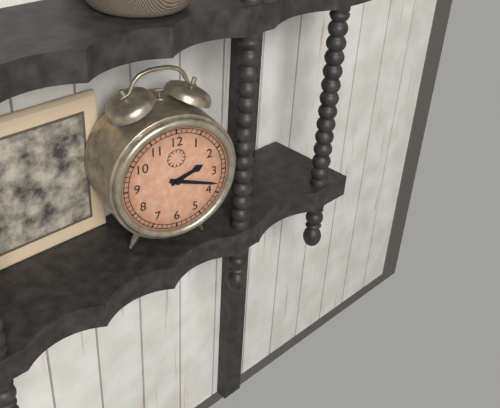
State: 2 h 18 min
